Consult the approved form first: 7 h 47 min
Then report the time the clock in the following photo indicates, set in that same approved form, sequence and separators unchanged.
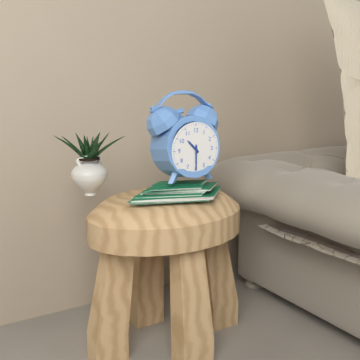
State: 10 h 30 min
